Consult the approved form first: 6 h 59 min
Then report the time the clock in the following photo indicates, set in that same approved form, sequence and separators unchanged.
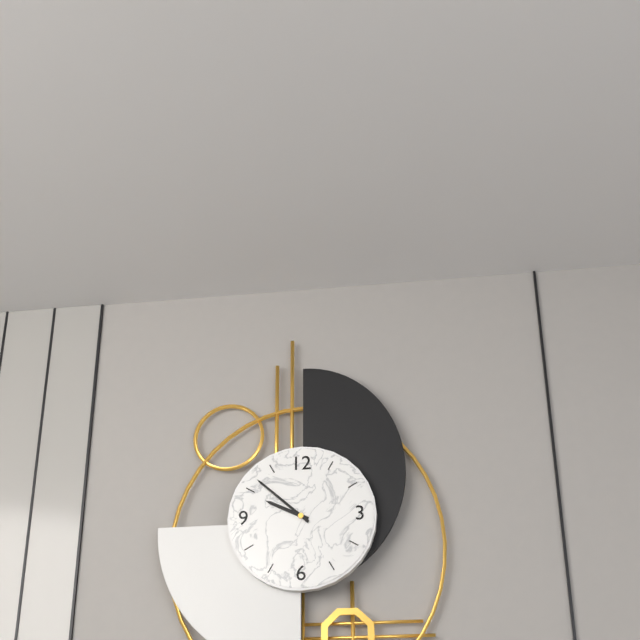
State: 9 h 52 min
